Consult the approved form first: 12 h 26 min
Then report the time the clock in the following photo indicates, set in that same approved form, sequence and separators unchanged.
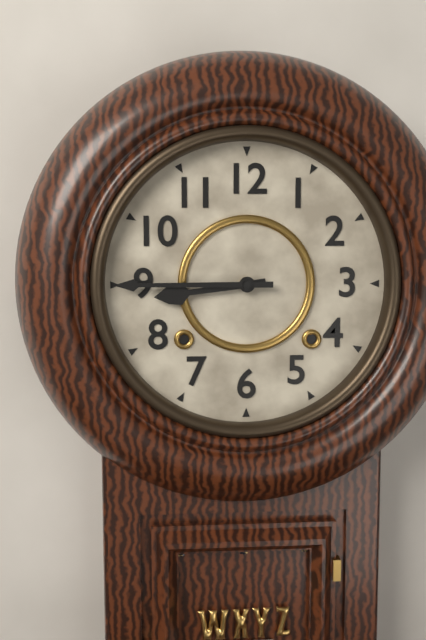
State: 8 h 45 min
